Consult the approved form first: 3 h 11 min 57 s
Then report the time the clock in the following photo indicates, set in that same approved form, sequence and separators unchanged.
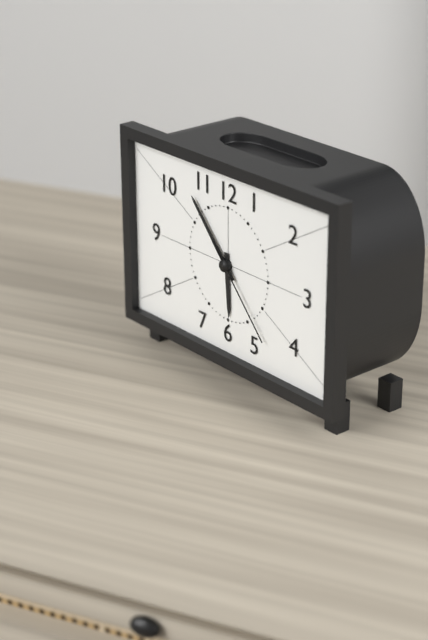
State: 5 h 53 min 23 s
